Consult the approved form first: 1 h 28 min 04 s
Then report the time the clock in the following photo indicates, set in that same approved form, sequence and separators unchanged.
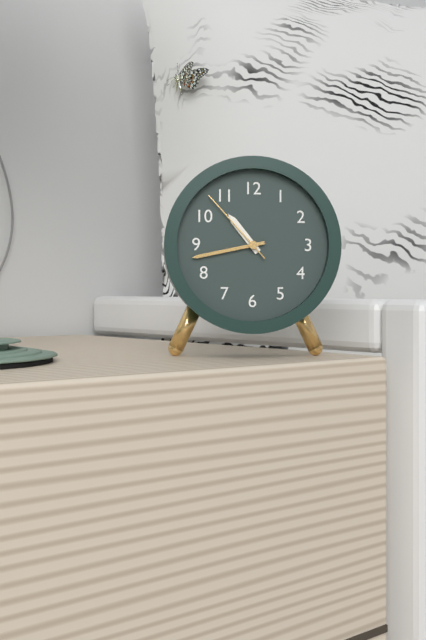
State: 10 h 43 min 53 s
